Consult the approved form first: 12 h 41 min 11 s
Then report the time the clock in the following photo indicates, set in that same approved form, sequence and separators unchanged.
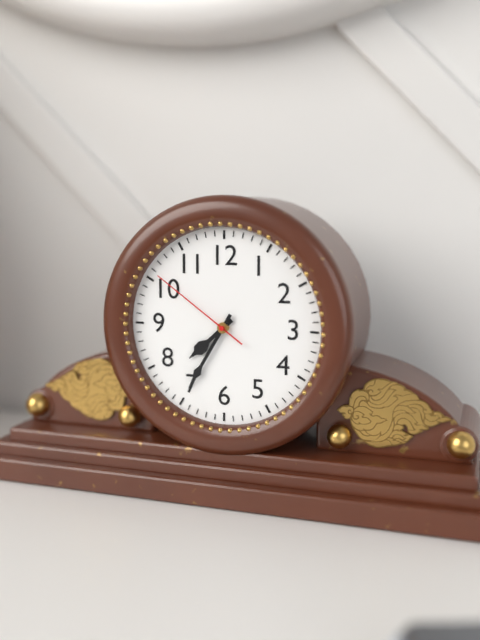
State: 7 h 35 min 51 s
